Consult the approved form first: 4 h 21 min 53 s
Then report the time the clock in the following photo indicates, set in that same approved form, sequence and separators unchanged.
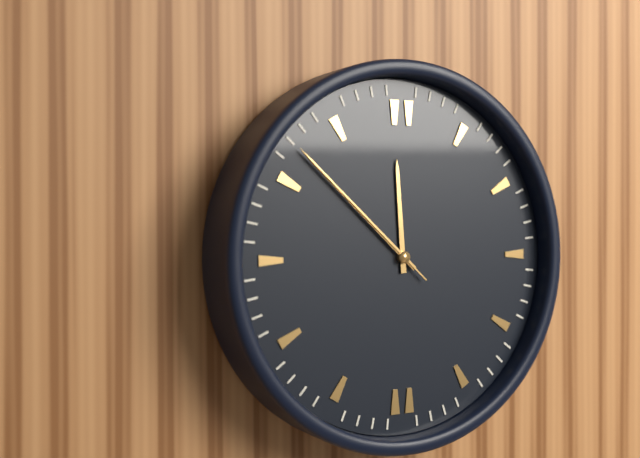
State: 11 h 52 min 52 s
